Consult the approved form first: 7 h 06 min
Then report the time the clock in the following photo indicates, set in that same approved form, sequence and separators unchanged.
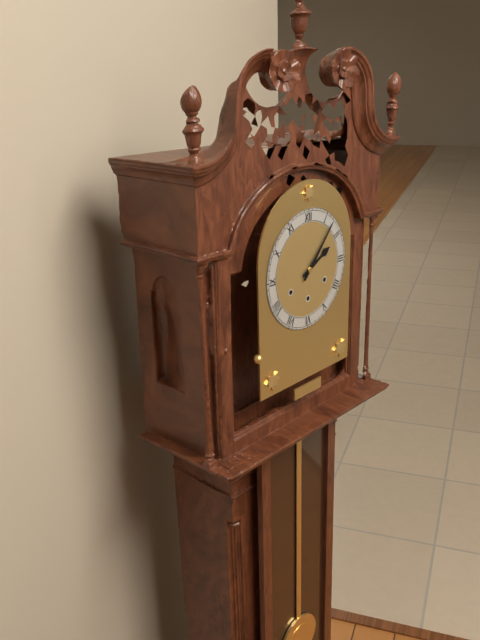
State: 2 h 07 min
